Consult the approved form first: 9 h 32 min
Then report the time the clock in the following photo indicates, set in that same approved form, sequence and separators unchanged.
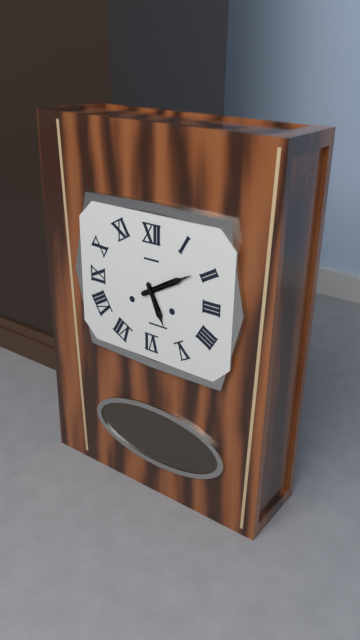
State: 5 h 10 min
